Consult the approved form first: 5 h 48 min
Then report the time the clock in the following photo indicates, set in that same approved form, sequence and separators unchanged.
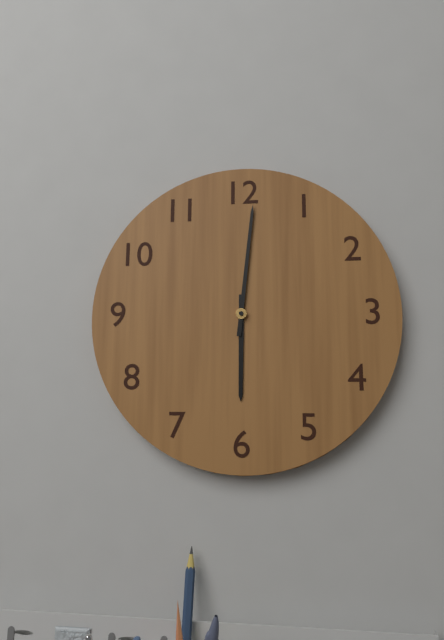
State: 6 h 01 min
